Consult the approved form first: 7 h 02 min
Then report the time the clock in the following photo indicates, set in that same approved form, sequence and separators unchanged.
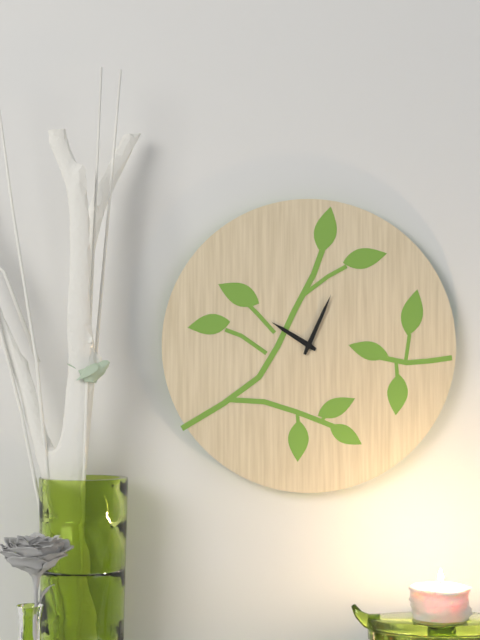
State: 10 h 04 min
